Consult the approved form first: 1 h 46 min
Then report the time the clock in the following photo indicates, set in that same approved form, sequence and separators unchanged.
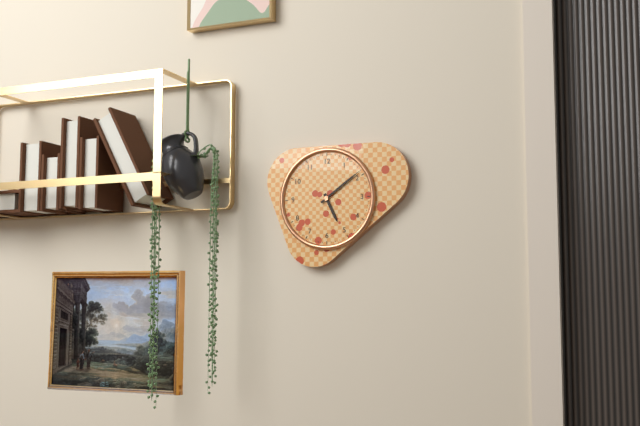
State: 5 h 09 min
